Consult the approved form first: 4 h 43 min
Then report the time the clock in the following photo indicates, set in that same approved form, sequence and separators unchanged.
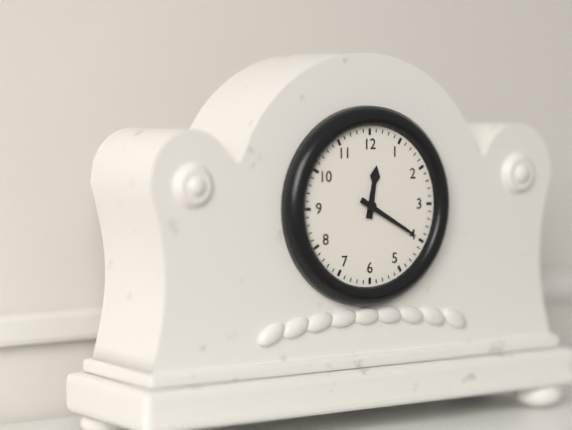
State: 12 h 20 min
